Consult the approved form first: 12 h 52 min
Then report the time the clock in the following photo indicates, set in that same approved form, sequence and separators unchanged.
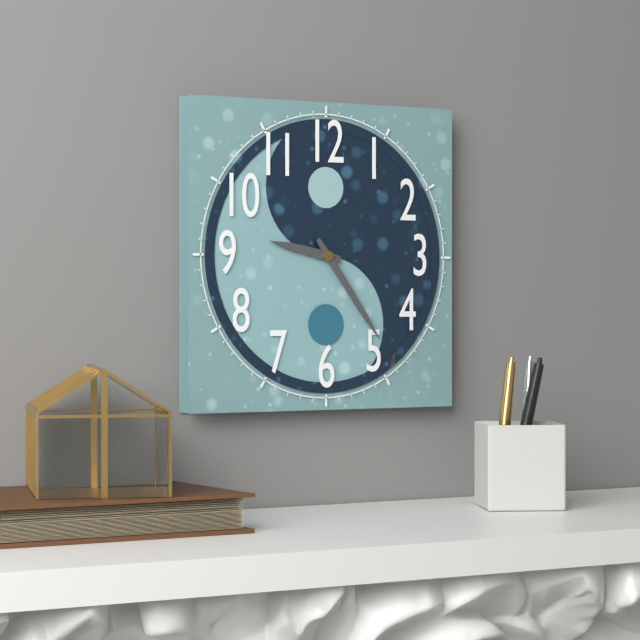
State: 9 h 24 min
